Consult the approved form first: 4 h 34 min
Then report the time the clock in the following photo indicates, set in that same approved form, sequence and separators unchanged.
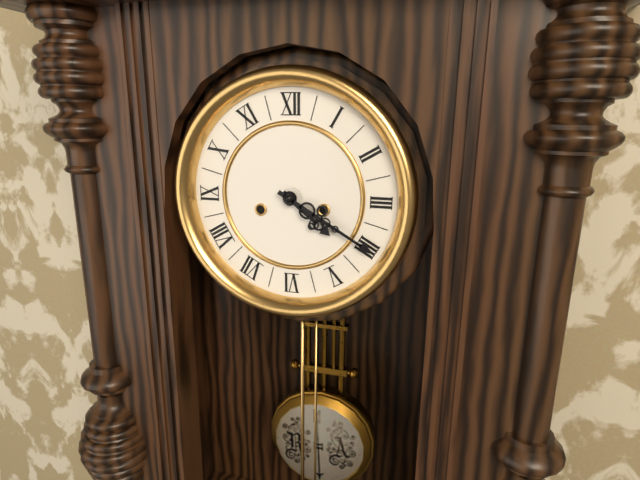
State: 4 h 20 min
